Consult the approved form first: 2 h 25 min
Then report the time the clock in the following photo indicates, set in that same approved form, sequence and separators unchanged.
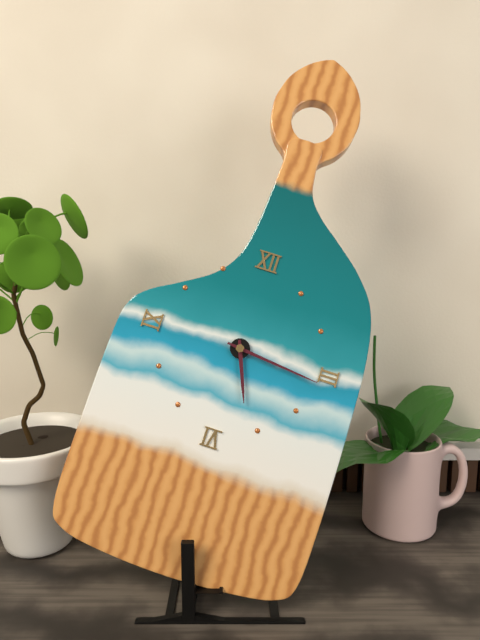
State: 5 h 16 min
